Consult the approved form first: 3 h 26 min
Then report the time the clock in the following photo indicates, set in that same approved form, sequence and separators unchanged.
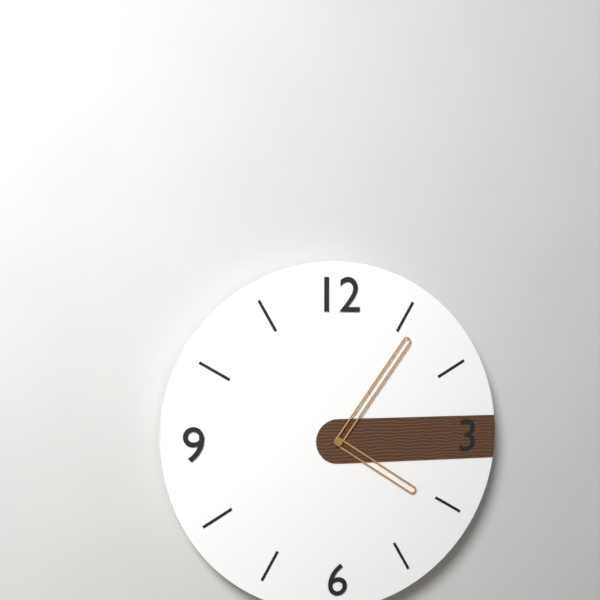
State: 4 h 06 min
